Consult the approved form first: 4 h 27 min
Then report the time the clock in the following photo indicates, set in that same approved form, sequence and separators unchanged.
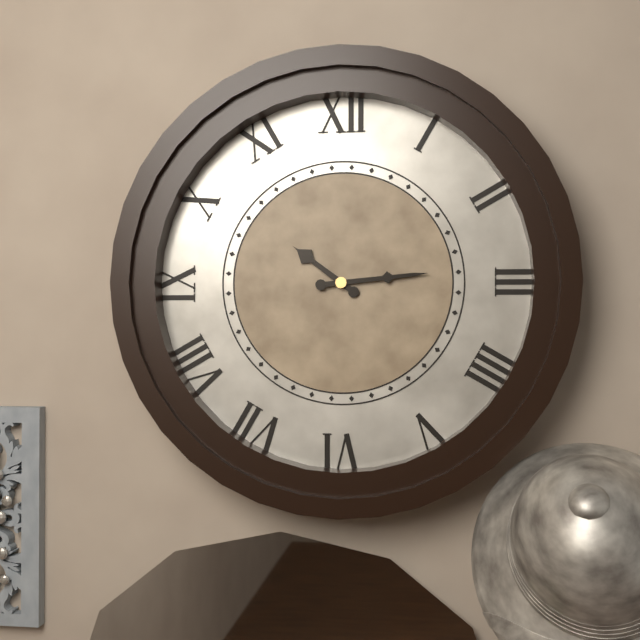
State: 10 h 14 min
